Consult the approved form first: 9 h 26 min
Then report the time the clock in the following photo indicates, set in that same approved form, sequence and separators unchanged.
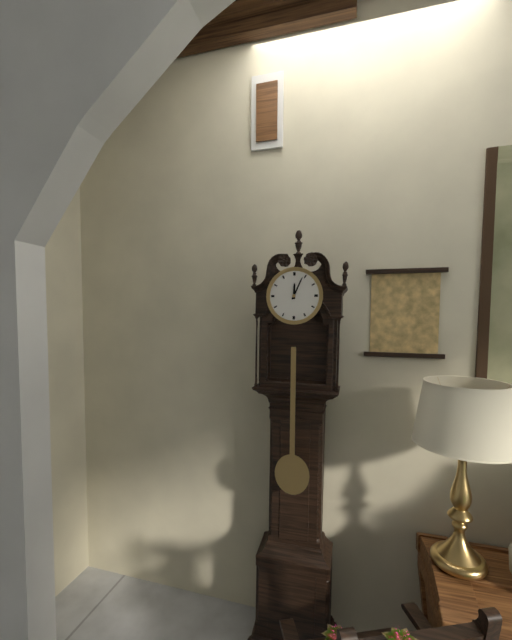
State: 12 h 04 min
